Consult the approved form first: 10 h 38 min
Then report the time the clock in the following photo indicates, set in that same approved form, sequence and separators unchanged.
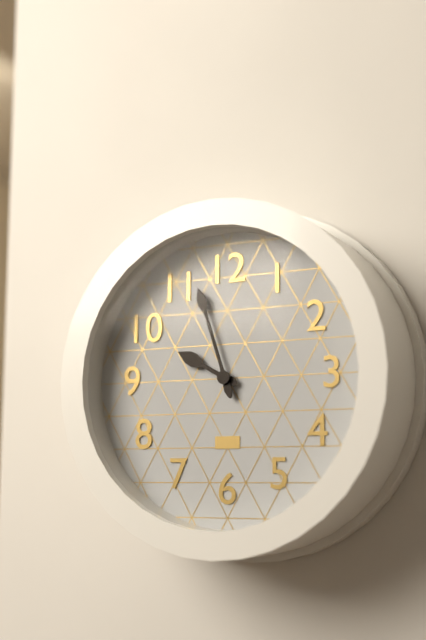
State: 9 h 57 min
